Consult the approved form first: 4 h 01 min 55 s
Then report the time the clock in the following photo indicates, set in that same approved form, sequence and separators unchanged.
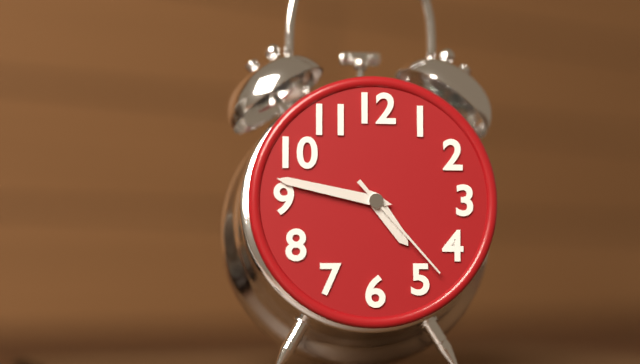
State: 4 h 47 min 23 s
